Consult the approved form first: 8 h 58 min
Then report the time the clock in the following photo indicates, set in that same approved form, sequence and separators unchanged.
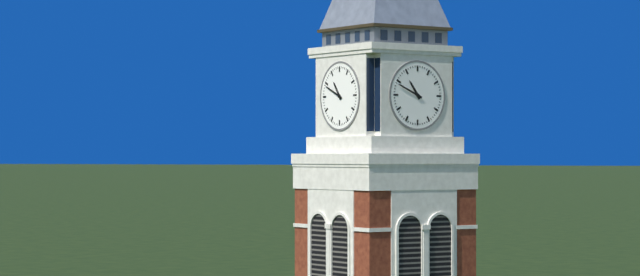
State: 10 h 49 min
